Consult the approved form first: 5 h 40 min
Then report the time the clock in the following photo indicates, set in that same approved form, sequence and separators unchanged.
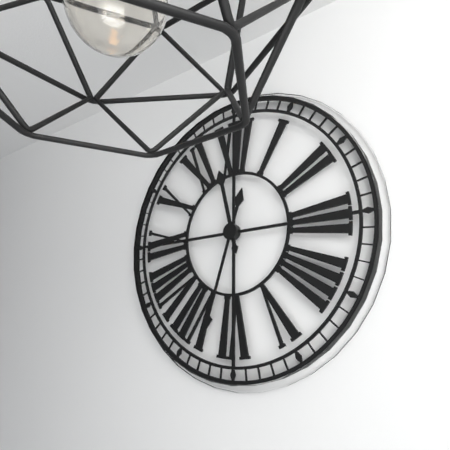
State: 11 h 33 min
